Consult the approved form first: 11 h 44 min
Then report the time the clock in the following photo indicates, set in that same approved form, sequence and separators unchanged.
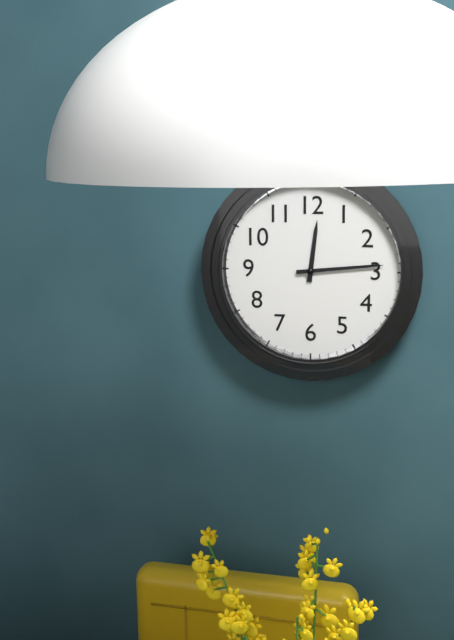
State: 12 h 14 min
